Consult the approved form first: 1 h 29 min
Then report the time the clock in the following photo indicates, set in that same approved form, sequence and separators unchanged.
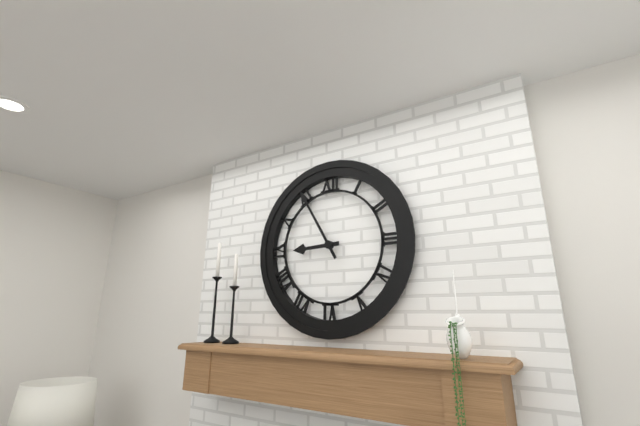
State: 8 h 55 min
